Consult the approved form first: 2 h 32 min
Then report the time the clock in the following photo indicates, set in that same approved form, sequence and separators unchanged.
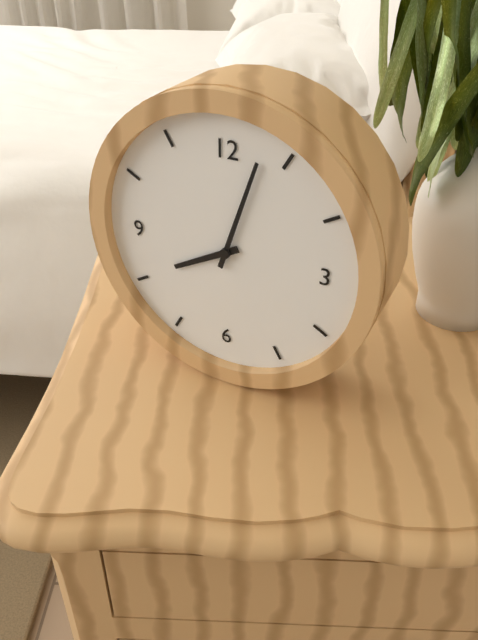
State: 8 h 03 min
